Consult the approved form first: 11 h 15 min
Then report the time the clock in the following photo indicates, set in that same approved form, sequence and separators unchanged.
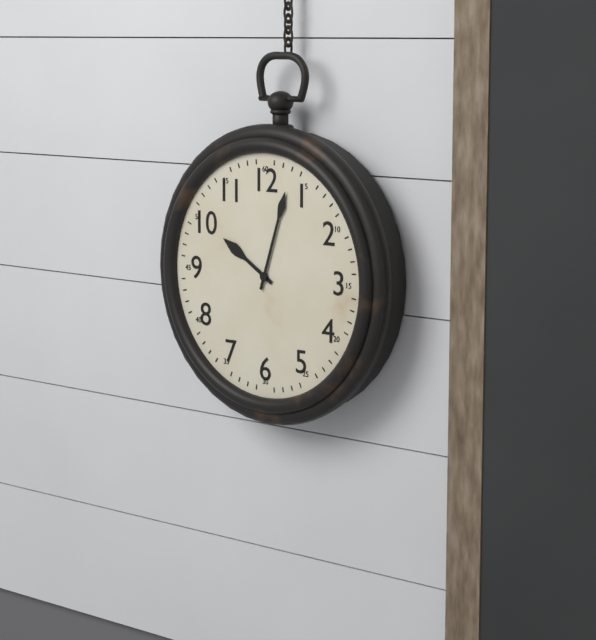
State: 10 h 03 min
